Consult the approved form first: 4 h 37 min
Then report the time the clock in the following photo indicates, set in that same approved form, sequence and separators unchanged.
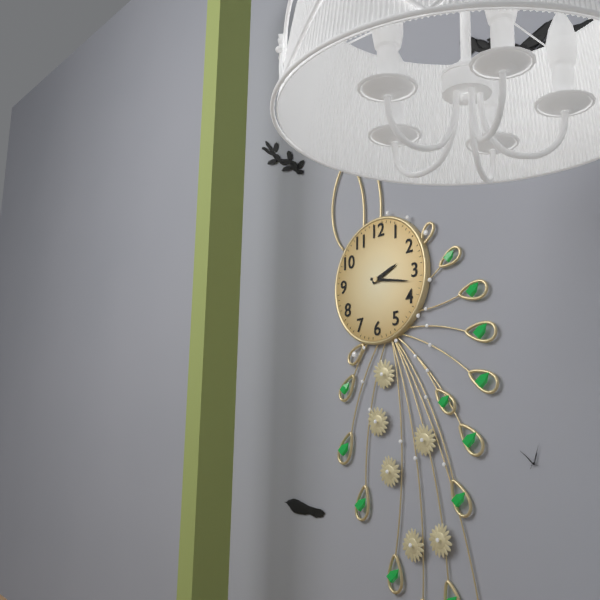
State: 2 h 17 min
